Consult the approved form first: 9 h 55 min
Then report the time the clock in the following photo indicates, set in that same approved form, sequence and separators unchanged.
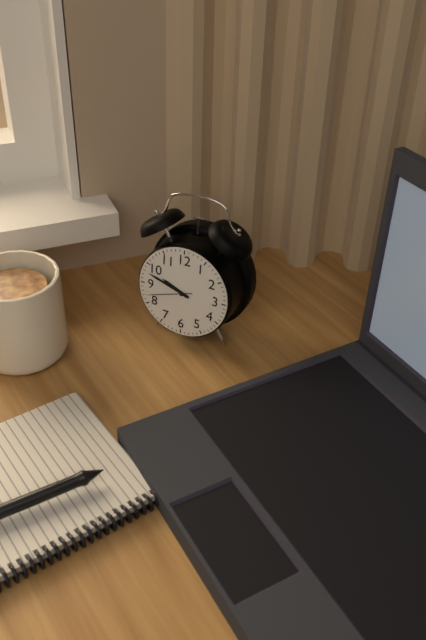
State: 9 h 48 min
